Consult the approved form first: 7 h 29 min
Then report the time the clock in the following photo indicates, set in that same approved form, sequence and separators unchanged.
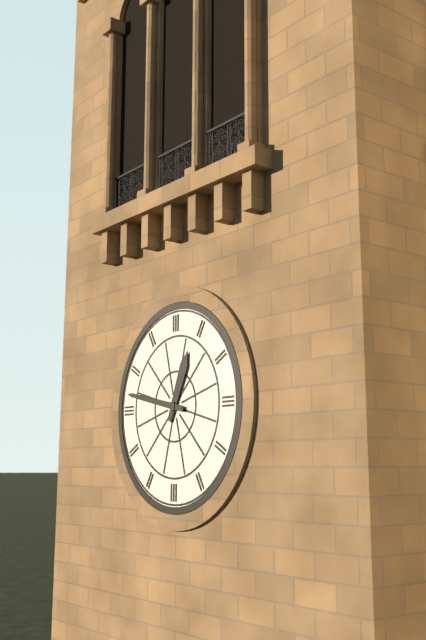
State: 12 h 47 min
